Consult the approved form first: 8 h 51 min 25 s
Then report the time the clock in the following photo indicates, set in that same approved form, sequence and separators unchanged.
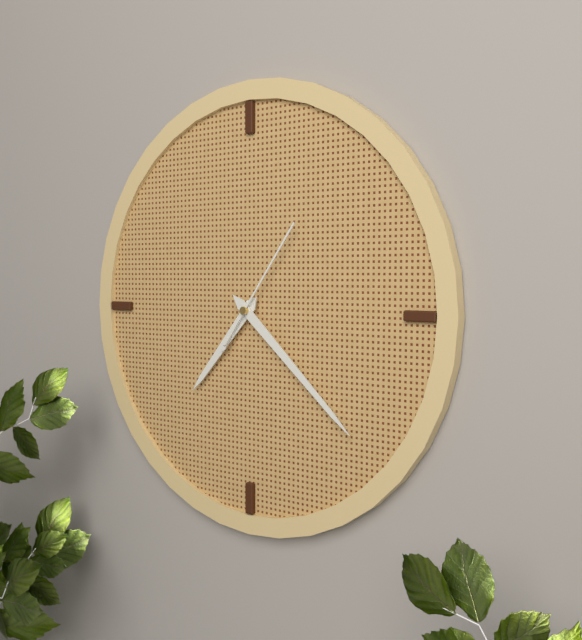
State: 7 h 22 min 06 s
